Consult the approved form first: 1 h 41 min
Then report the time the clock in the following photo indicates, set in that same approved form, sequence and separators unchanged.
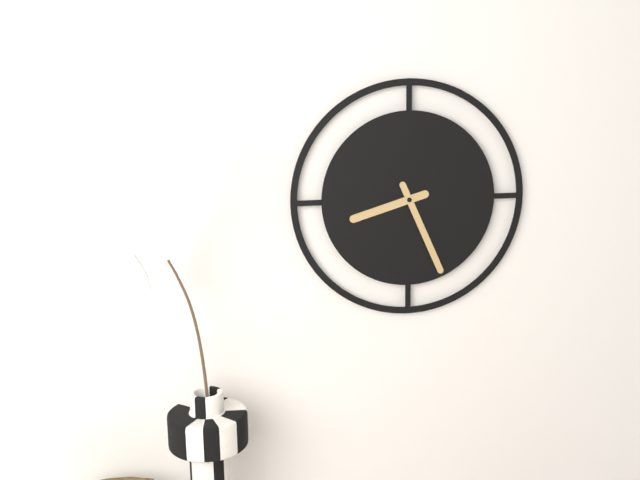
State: 8 h 26 min
